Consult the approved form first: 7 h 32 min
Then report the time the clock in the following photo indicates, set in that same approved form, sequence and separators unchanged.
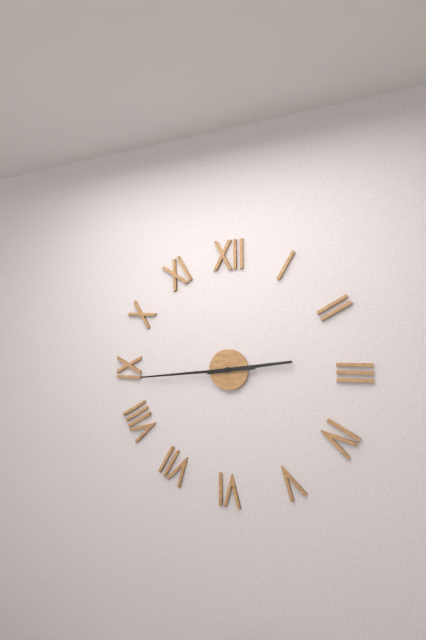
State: 2 h 44 min
